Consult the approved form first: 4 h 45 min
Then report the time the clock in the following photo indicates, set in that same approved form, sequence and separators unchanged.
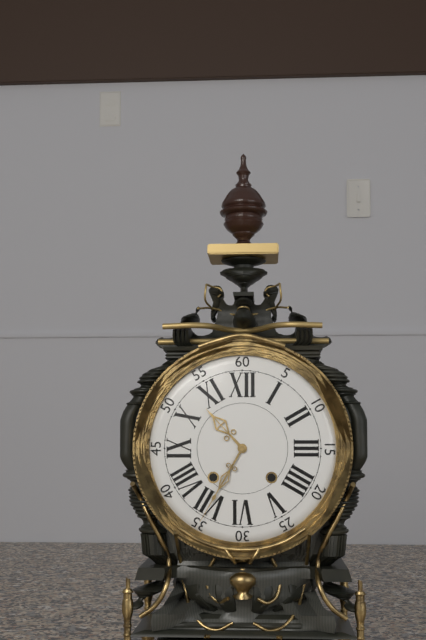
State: 10 h 35 min
